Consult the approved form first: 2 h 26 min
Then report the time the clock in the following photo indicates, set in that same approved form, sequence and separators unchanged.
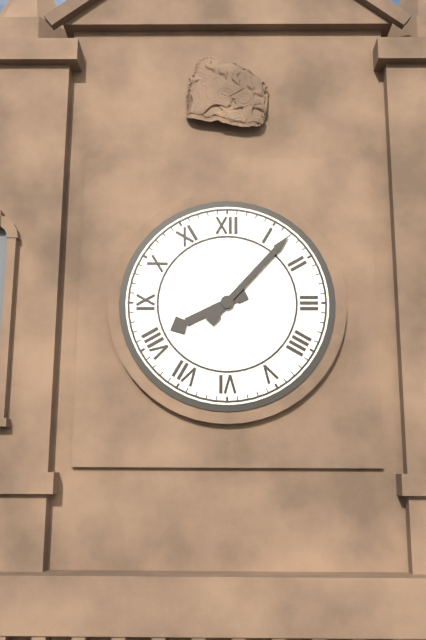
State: 8 h 07 min
